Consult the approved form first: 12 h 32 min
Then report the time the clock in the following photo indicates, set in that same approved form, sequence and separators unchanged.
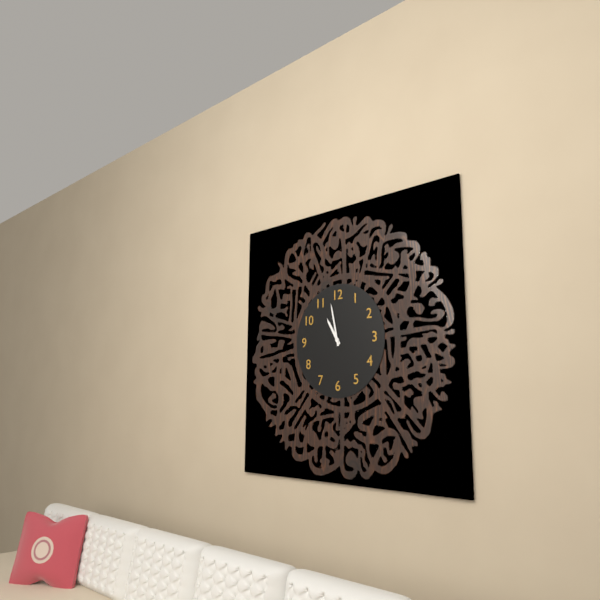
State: 10 h 58 min
